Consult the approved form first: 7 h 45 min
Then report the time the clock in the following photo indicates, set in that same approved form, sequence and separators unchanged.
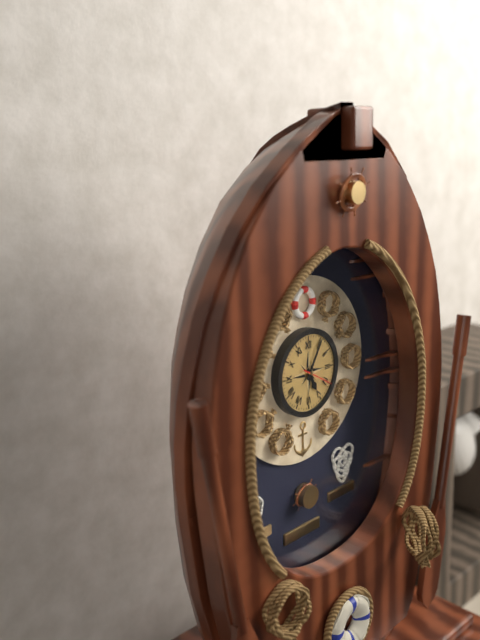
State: 5 h 05 min
